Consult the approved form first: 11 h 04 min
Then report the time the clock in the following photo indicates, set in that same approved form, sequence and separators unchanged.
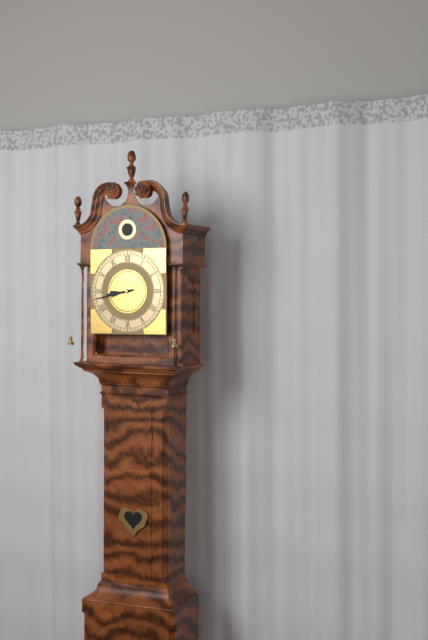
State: 8 h 43 min
